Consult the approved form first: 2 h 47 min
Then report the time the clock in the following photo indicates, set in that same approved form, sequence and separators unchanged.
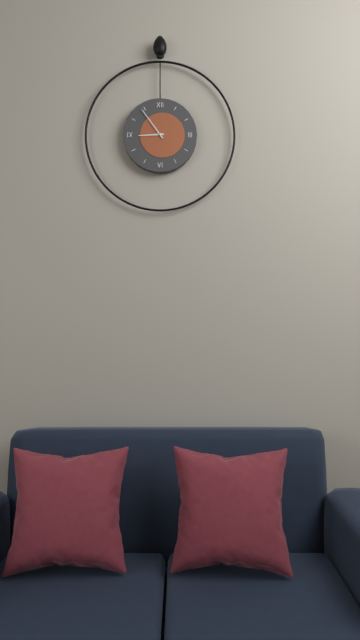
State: 8 h 54 min
